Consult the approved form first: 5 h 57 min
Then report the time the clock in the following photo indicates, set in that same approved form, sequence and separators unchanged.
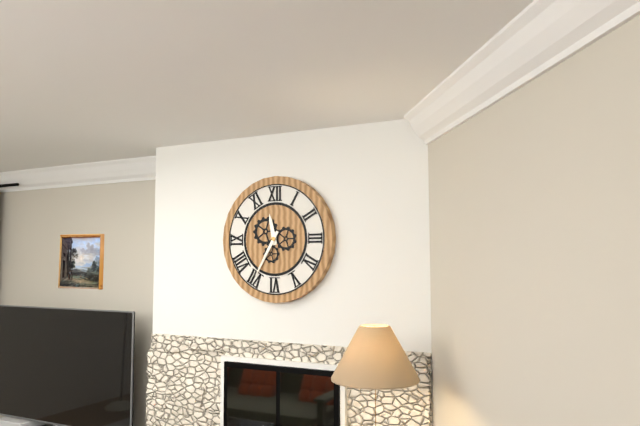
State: 11 h 35 min
